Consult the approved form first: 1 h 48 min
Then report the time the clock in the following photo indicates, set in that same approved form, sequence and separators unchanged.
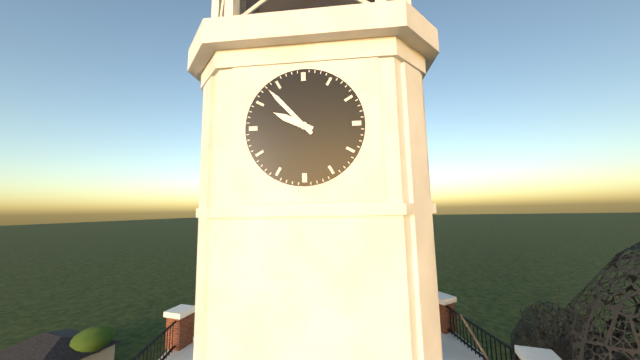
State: 9 h 53 min
